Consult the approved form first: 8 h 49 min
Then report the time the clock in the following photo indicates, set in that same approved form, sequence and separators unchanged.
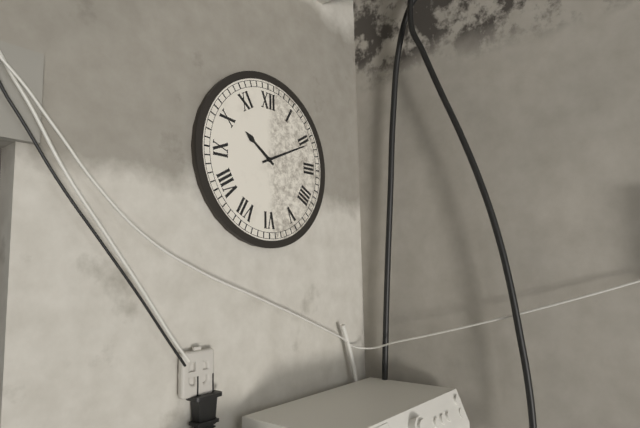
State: 10 h 11 min
